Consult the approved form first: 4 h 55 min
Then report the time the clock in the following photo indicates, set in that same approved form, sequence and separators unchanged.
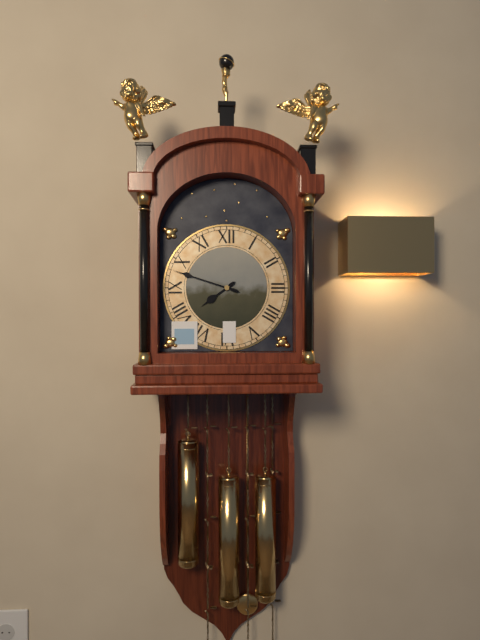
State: 7 h 48 min
